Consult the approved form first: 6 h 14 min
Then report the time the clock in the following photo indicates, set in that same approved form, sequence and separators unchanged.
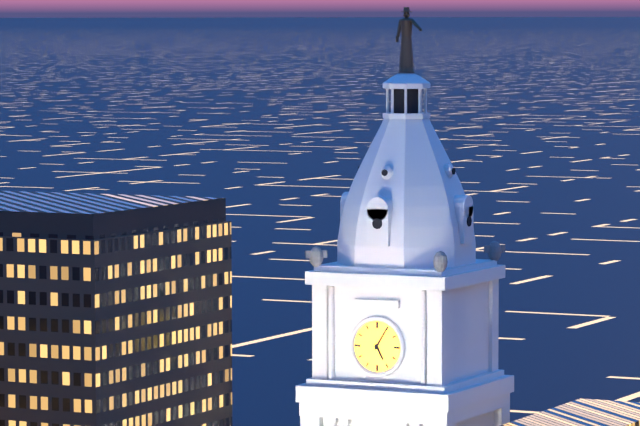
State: 5 h 05 min
